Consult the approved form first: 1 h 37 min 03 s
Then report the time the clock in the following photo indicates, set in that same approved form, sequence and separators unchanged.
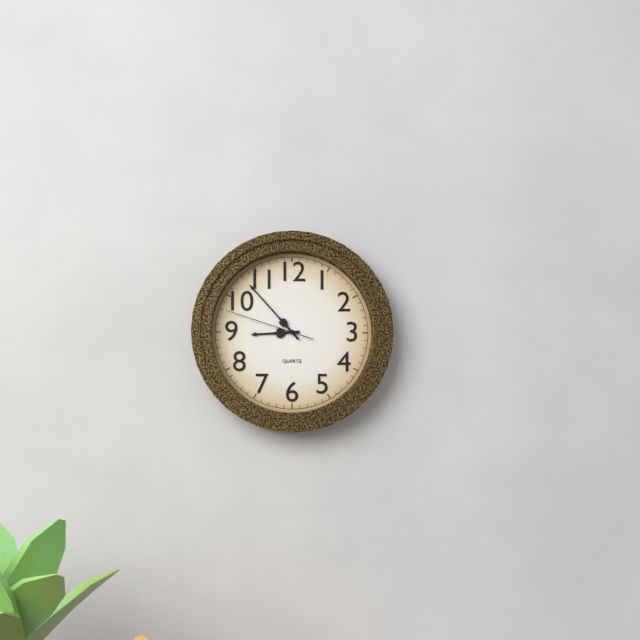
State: 8 h 53 min 48 s
